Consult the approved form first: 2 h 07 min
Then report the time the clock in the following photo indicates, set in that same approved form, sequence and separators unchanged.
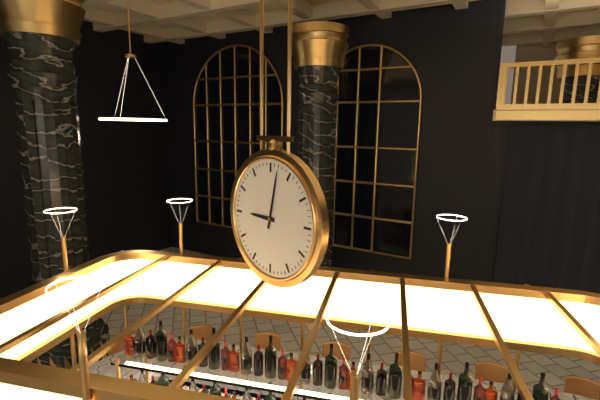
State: 9 h 02 min
